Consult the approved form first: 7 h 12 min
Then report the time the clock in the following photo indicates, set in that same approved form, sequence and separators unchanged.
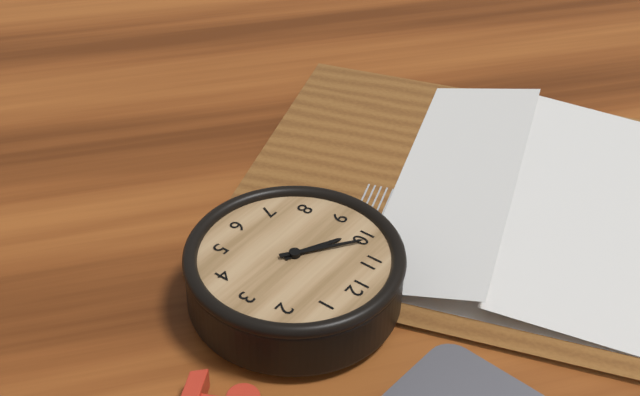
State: 9 h 51 min
